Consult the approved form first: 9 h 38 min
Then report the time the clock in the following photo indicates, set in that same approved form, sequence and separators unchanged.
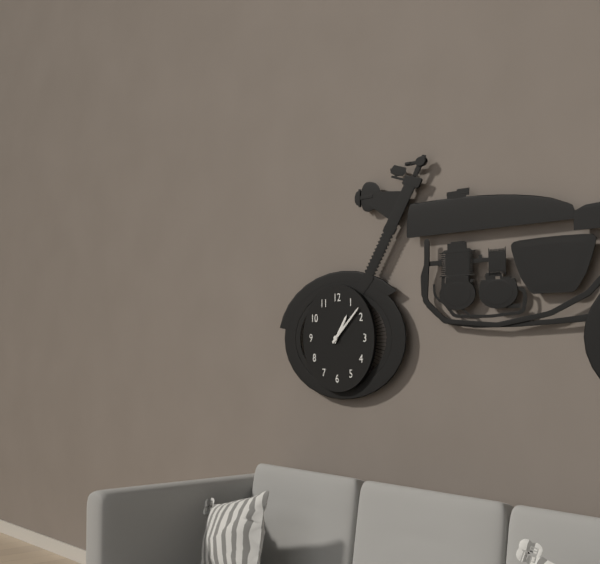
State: 1 h 08 min
